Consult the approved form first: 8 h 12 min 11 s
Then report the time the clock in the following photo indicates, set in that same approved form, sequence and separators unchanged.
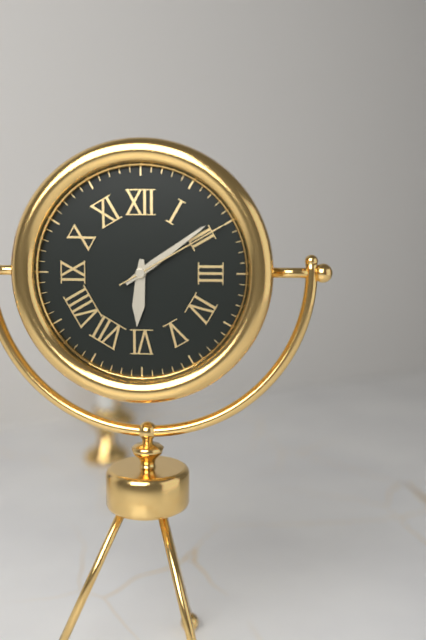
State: 6 h 09 min 10 s
